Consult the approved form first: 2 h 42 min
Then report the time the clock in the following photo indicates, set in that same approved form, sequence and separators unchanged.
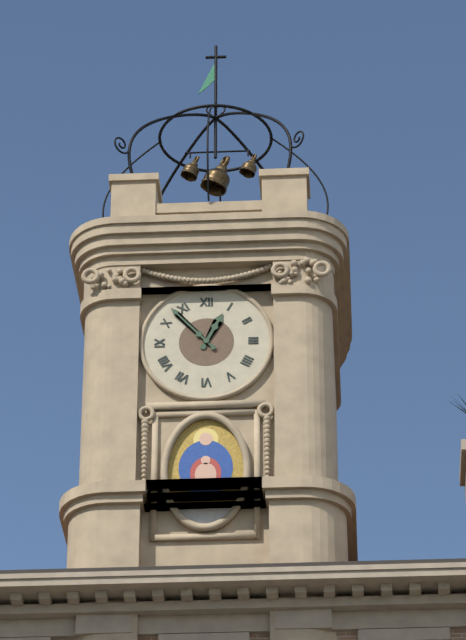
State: 12 h 53 min
